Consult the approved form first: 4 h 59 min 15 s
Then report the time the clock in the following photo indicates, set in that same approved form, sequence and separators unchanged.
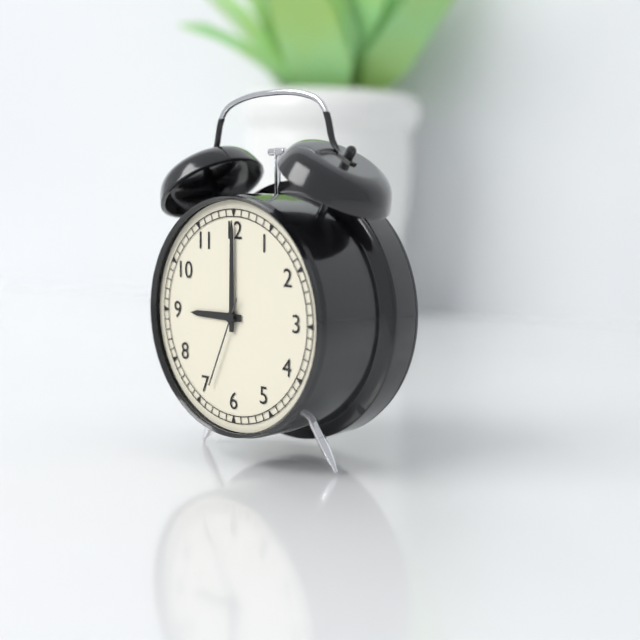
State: 9 h 00 min 34 s
